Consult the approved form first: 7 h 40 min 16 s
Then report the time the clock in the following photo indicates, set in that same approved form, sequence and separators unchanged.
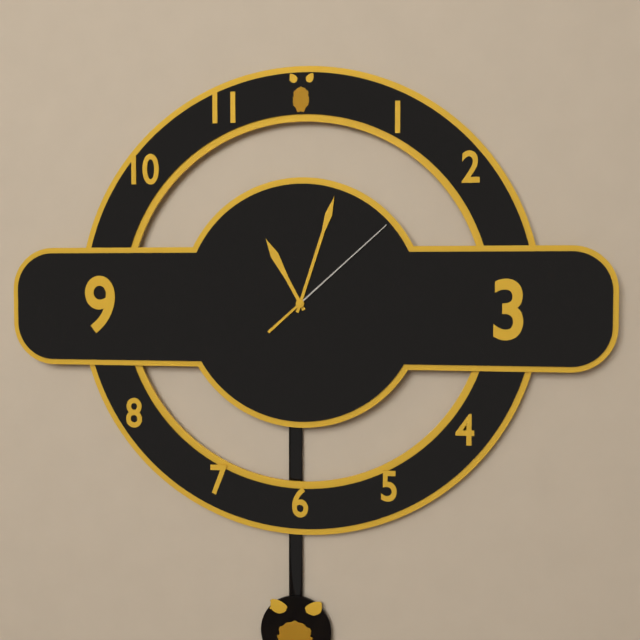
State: 11 h 03 min 08 s
